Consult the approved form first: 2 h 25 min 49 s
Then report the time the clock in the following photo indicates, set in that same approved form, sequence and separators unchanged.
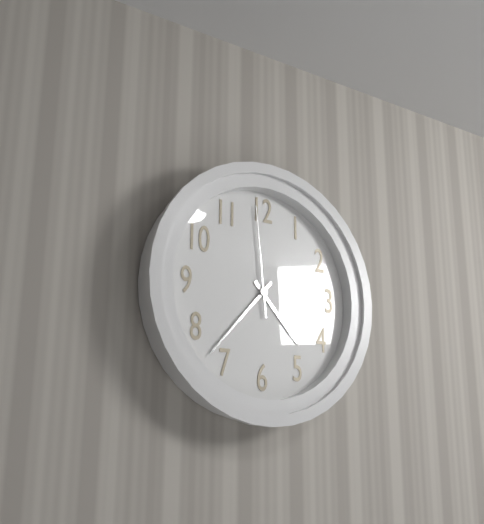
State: 4 h 37 min 59 s
